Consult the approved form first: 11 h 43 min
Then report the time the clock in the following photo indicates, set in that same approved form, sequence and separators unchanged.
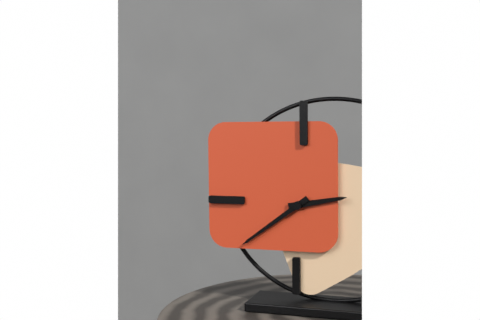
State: 2 h 39 min
